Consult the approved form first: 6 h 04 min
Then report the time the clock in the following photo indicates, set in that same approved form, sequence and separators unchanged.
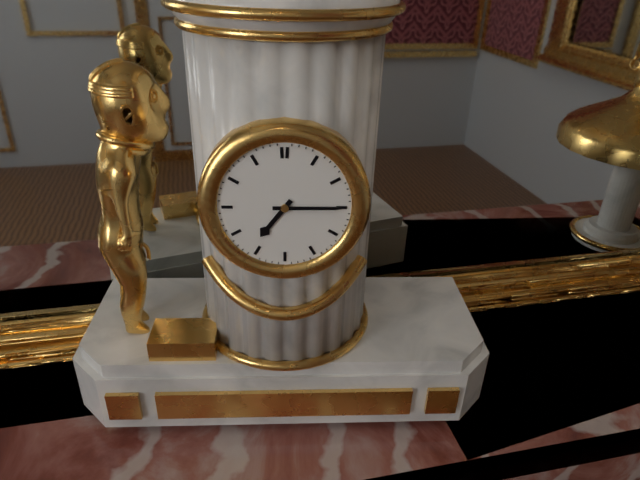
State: 7 h 15 min
